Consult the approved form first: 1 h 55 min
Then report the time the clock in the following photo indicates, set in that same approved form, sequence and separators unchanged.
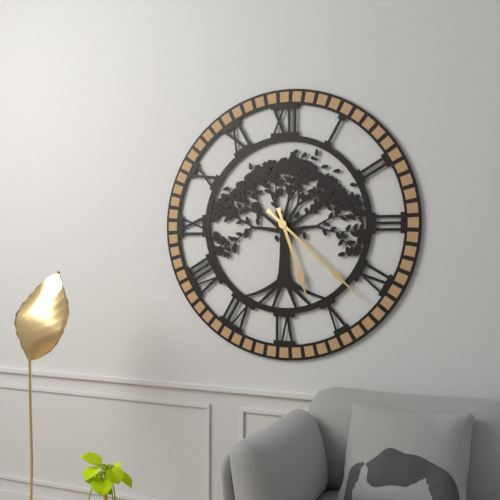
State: 5 h 22 min
